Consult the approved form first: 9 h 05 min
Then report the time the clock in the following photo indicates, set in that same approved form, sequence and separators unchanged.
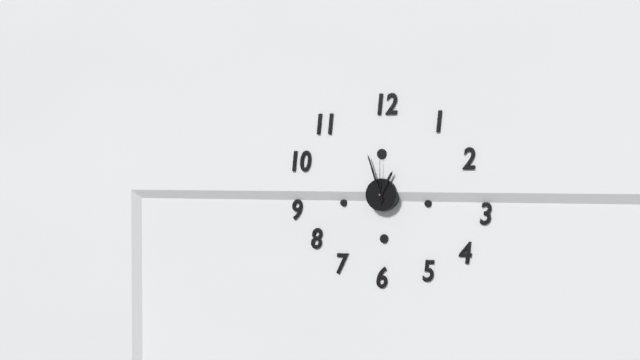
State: 12 h 57 min
